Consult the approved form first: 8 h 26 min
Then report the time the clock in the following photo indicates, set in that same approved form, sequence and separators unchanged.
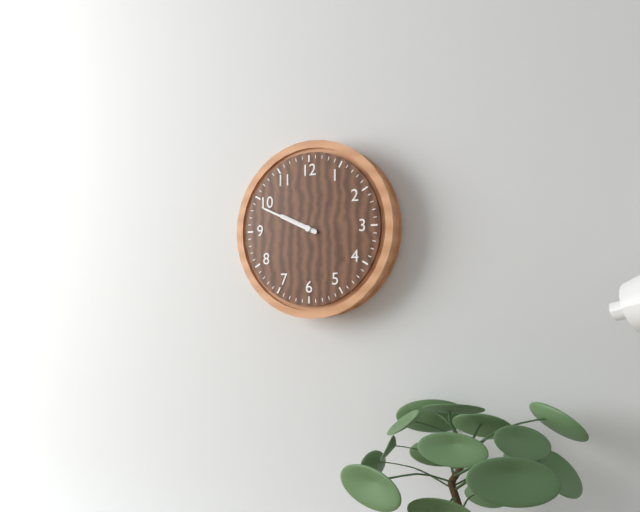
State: 9 h 49 min
